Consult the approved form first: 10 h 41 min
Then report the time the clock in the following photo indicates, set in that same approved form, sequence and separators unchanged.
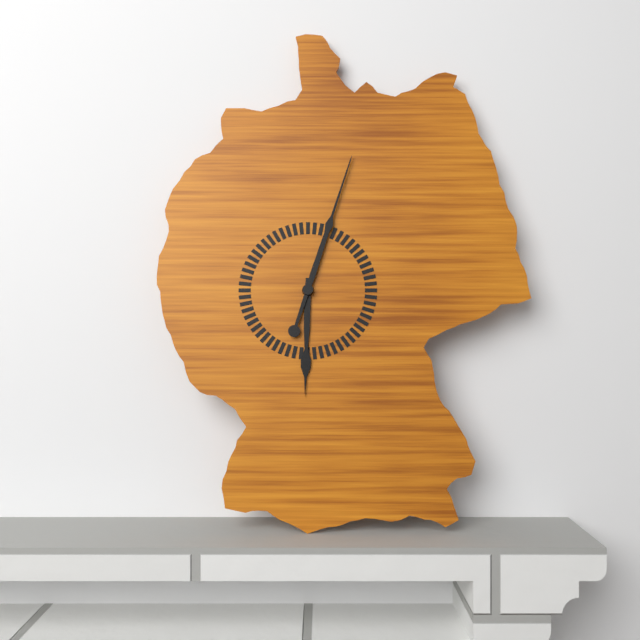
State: 6 h 03 min
